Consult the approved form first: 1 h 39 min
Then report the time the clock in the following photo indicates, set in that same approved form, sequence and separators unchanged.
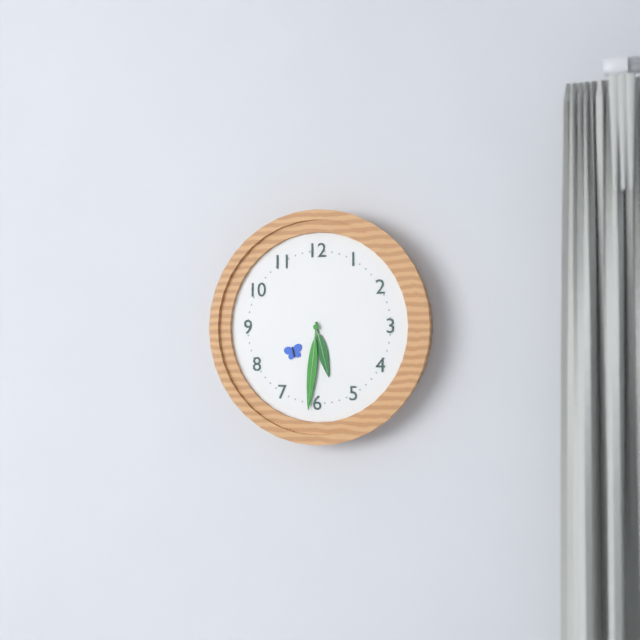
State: 5 h 31 min
